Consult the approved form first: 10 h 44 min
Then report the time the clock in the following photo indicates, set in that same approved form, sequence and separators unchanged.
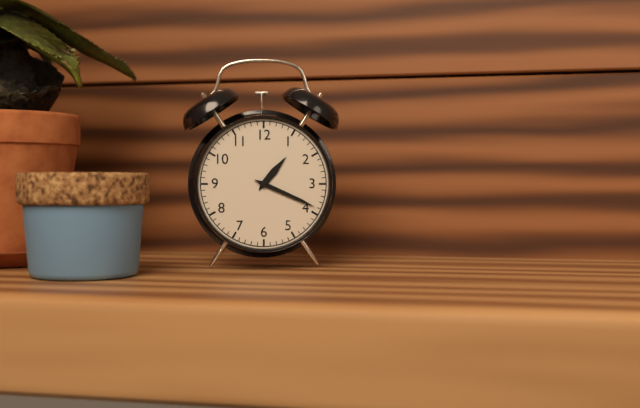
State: 1 h 19 min
